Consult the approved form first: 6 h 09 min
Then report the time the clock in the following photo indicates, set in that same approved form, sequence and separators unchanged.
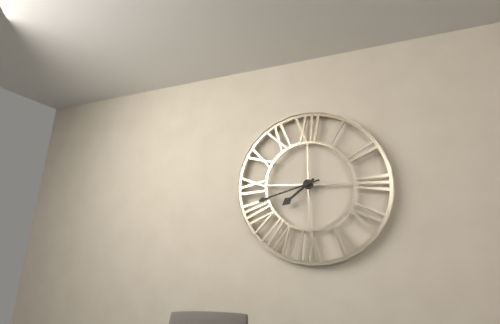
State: 7 h 42 min
